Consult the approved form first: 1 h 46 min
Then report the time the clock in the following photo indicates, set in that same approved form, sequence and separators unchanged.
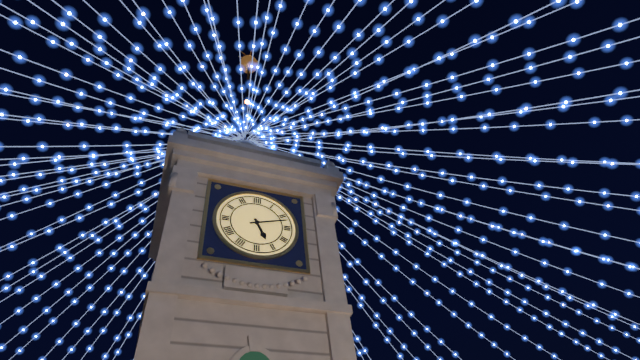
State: 5 h 12 min
